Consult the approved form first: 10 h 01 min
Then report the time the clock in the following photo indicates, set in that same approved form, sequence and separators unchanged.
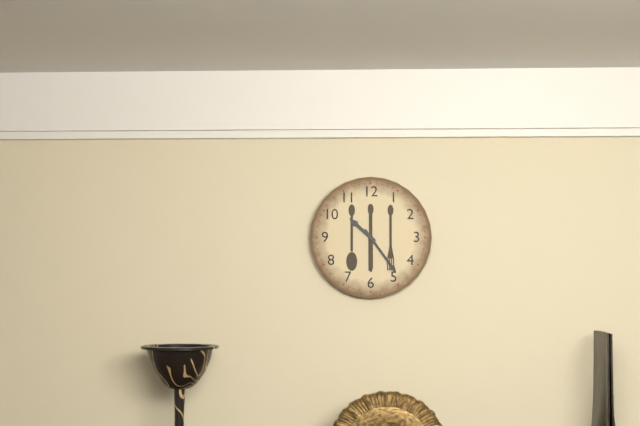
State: 10 h 24 min
